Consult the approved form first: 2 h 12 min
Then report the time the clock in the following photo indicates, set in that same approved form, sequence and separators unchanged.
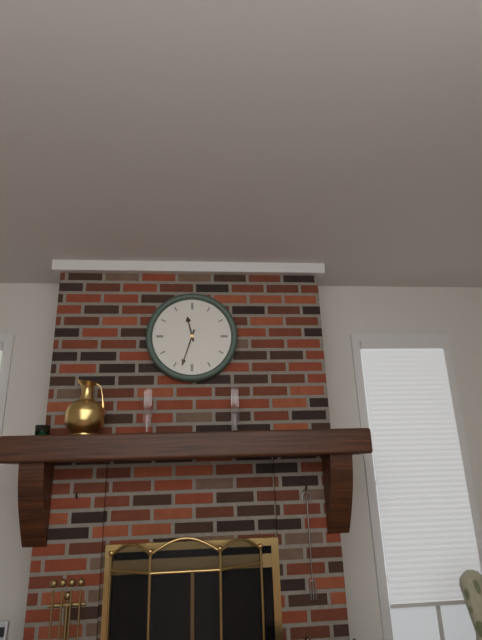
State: 11 h 33 min
